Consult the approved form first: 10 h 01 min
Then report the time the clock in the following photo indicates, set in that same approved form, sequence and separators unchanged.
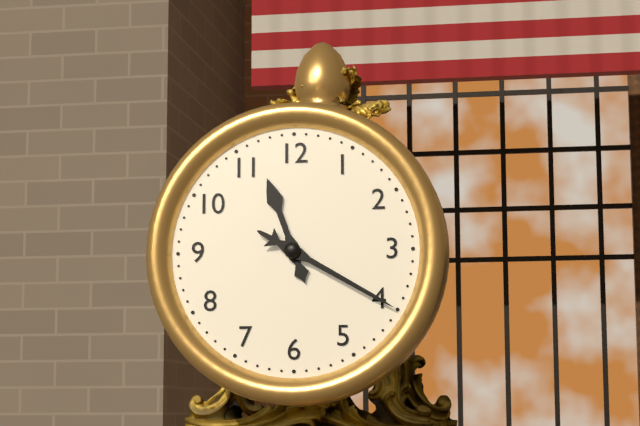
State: 11 h 20 min
